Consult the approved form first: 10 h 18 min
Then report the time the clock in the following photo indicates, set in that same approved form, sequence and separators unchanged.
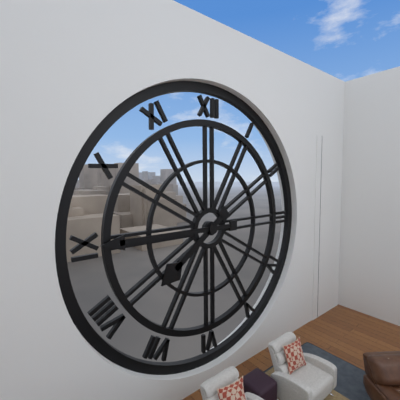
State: 7 h 45 min
